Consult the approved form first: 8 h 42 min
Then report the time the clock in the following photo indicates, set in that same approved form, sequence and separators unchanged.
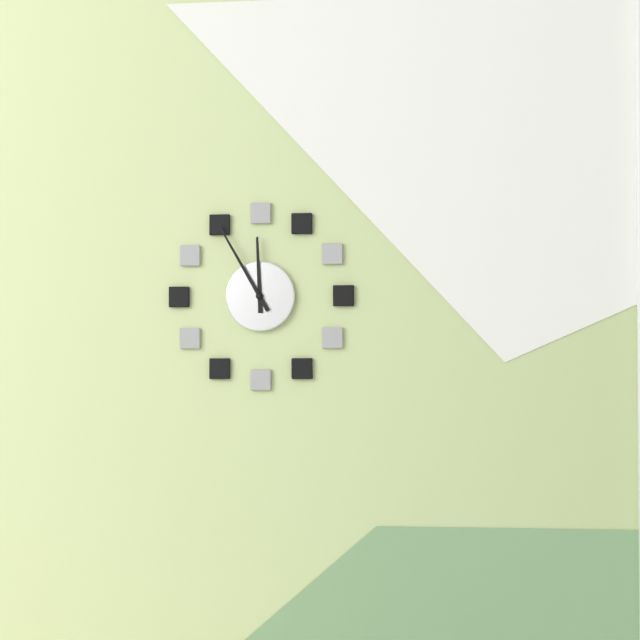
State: 11 h 55 min
